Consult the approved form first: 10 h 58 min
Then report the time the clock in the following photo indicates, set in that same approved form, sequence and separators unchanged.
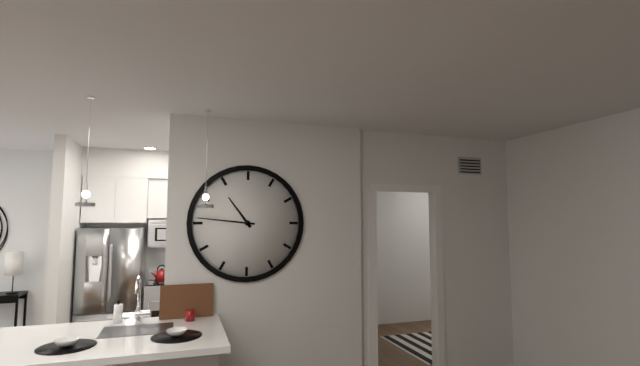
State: 10 h 46 min
